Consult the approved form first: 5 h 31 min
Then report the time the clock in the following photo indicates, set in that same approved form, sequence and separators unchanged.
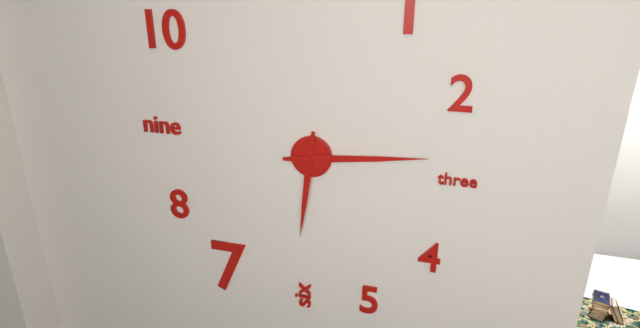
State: 6 h 14 min
